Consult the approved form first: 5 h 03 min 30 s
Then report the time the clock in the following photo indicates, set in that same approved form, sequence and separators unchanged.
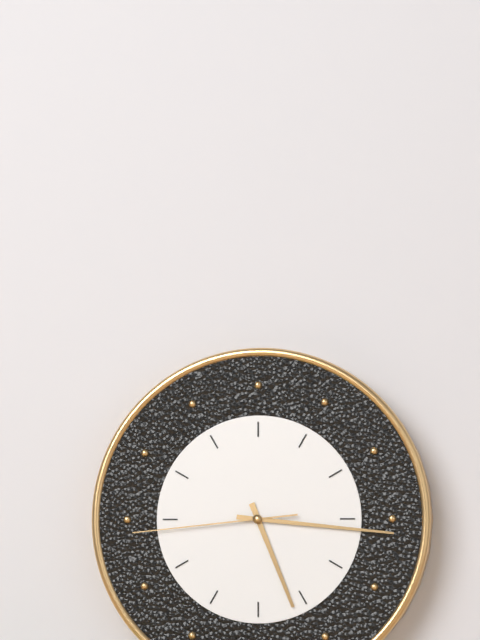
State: 5 h 16 min 44 s
